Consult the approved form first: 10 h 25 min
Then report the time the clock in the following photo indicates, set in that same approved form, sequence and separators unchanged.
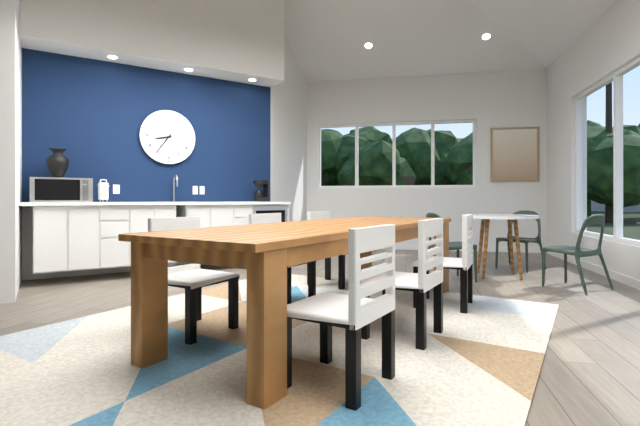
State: 8 h 36 min
